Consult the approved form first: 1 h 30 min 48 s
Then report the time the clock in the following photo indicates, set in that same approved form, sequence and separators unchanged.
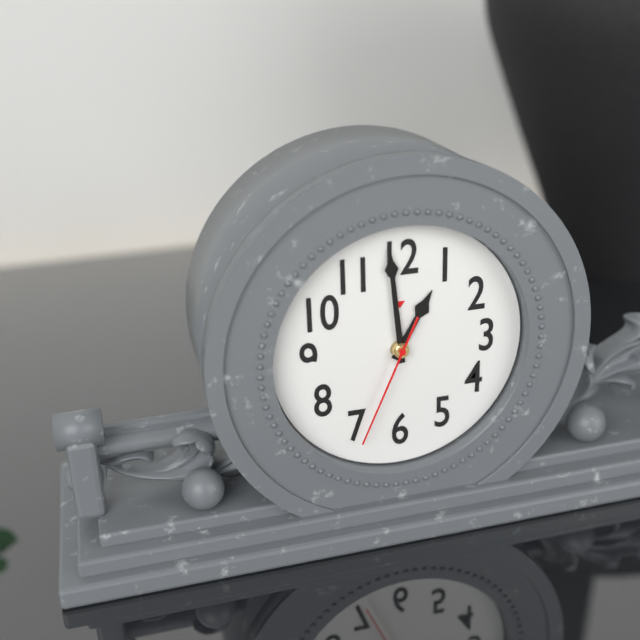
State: 12 h 59 min 34 s
